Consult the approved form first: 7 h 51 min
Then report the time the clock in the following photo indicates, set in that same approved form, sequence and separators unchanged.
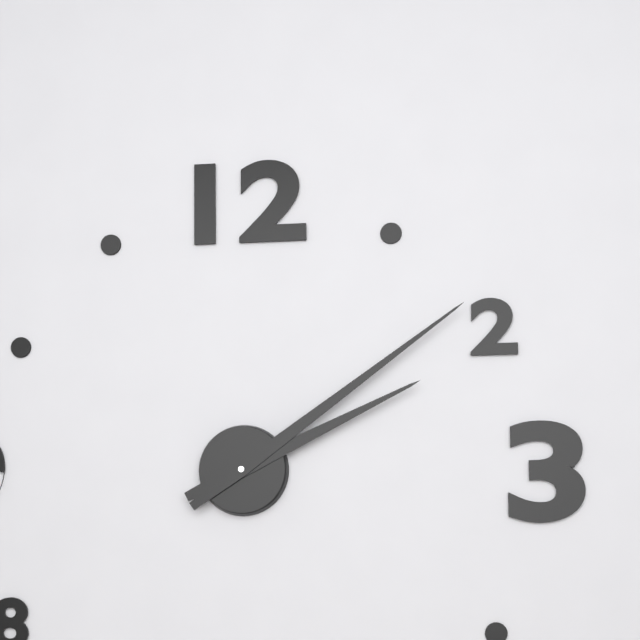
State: 2 h 09 min
